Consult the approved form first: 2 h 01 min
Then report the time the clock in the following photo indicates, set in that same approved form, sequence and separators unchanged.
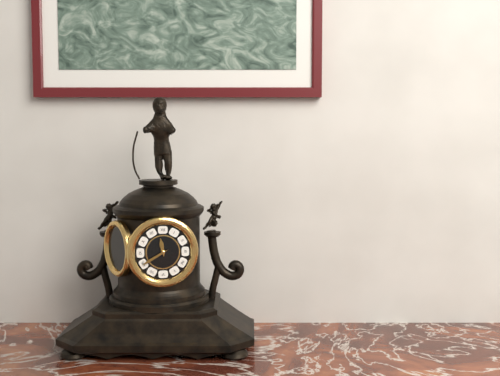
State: 11 h 40 min
